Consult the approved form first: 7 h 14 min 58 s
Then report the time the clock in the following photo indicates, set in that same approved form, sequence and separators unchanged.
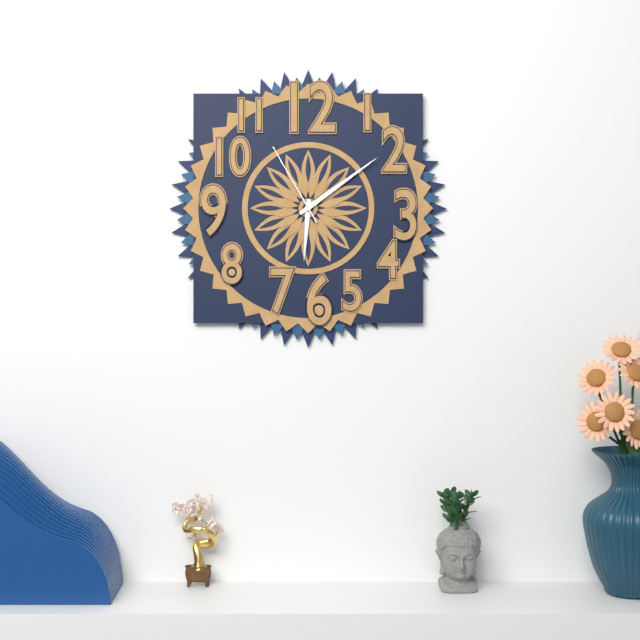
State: 6 h 09 min 55 s
